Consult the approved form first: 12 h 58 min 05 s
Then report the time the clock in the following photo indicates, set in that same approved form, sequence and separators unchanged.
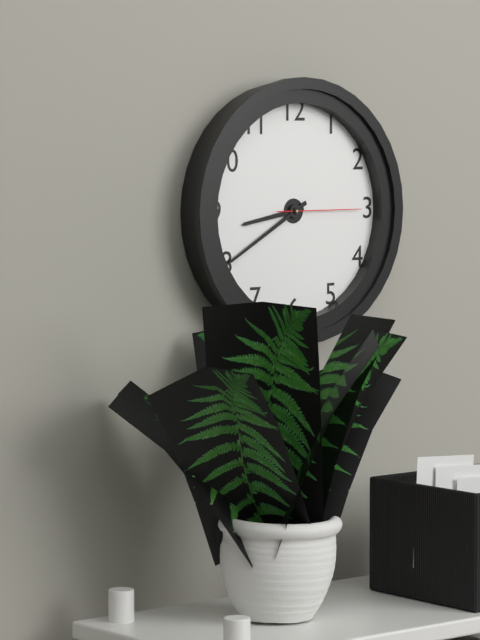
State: 8 h 40 min 15 s
